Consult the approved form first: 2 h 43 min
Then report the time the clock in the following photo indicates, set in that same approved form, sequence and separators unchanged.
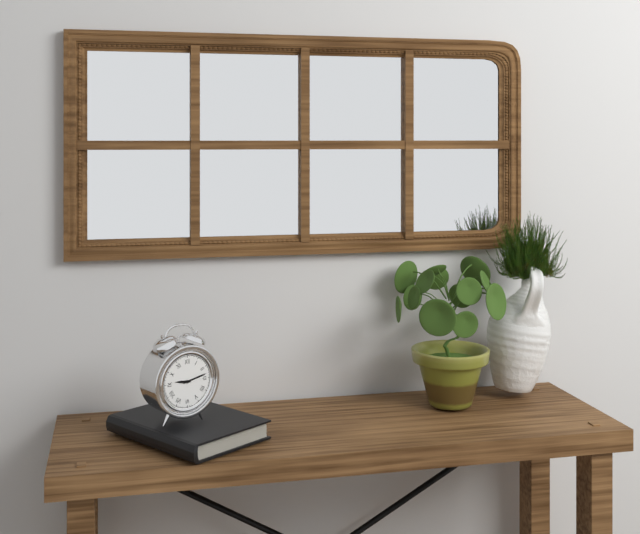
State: 9 h 13 min
